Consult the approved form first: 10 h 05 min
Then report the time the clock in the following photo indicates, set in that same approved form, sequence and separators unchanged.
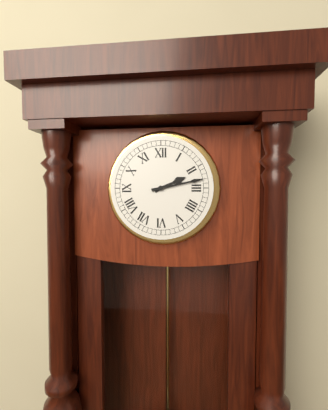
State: 2 h 13 min
